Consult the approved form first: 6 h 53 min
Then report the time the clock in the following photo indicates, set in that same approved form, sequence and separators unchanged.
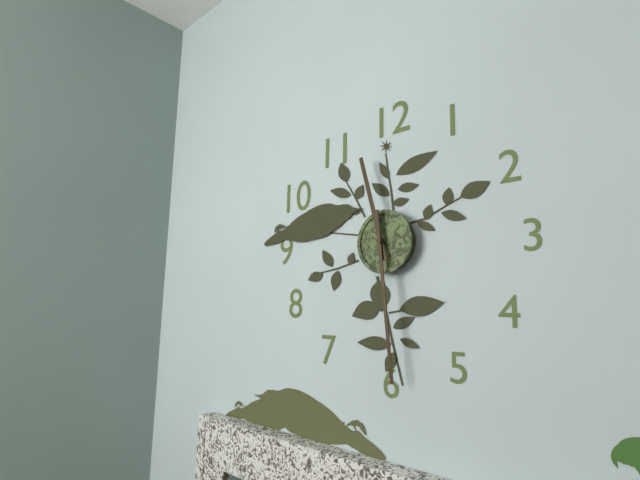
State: 11 h 29 min
